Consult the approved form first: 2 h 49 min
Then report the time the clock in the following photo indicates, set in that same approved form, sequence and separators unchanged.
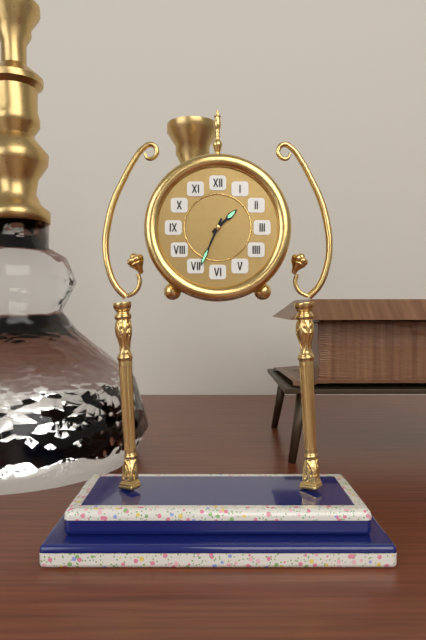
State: 1 h 34 min
